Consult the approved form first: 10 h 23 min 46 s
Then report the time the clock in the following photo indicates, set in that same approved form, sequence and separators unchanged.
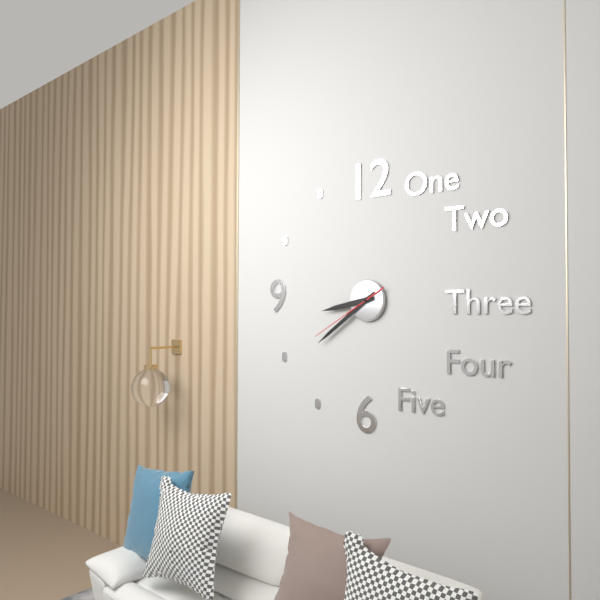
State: 8 h 39 min 40 s
